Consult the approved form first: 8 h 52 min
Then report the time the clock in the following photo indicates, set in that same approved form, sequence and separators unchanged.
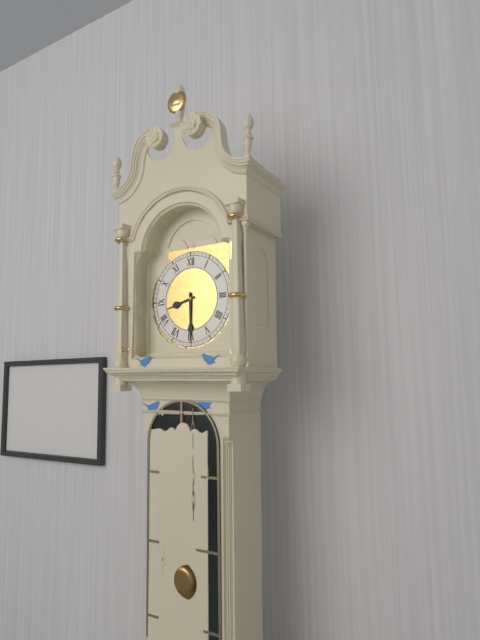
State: 8 h 30 min
